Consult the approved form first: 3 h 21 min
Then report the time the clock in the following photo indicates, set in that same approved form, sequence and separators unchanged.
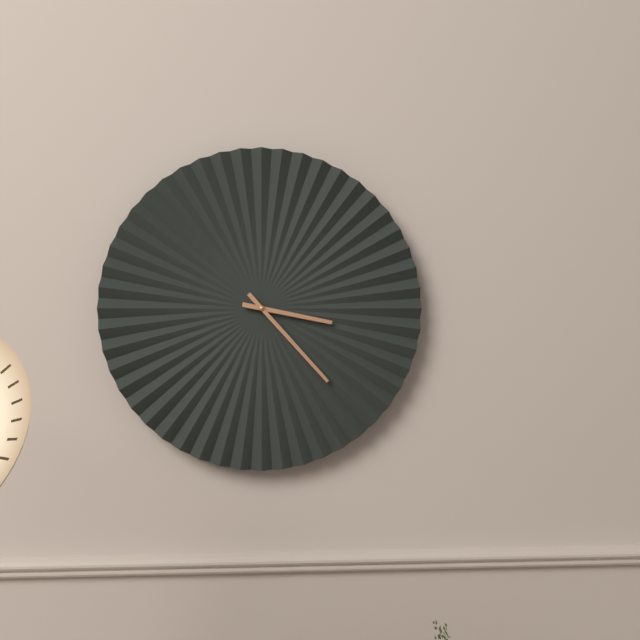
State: 3 h 23 min
